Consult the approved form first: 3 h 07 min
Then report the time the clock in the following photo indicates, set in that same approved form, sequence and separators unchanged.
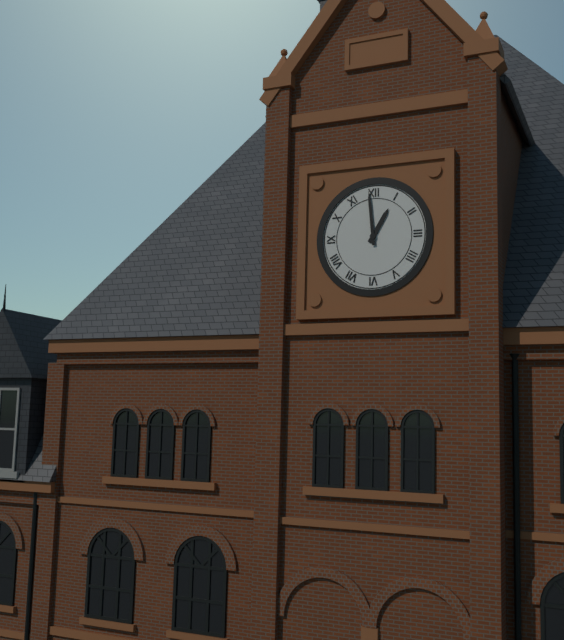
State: 12 h 59 min
